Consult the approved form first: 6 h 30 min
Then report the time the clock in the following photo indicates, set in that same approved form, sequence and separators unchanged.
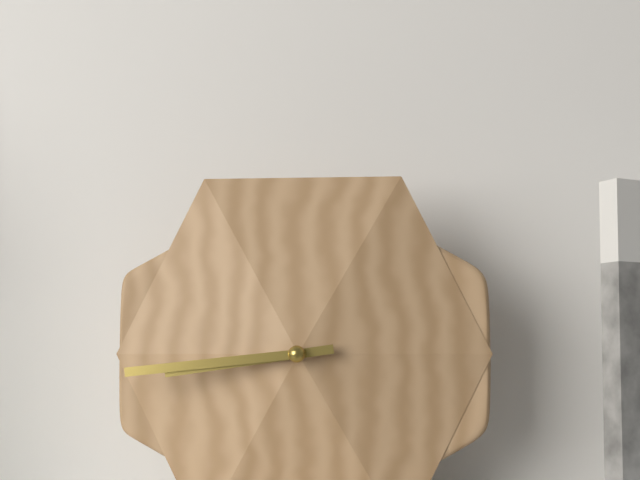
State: 8 h 44 min
